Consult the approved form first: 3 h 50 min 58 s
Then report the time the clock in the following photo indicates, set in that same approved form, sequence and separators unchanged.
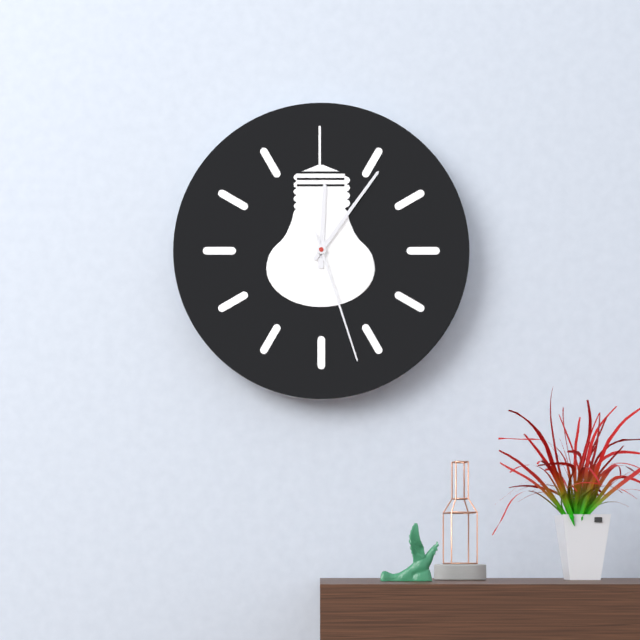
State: 12 h 06 min 27 s
